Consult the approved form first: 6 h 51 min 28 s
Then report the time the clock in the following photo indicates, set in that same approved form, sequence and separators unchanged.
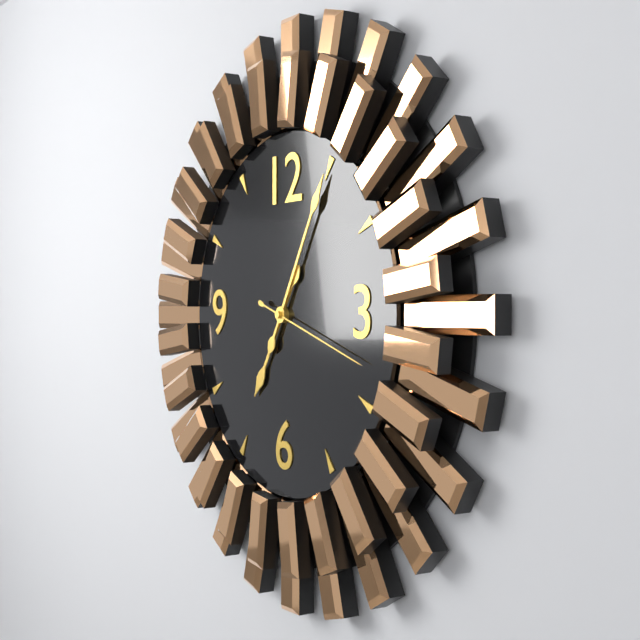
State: 7 h 05 min 18 s
